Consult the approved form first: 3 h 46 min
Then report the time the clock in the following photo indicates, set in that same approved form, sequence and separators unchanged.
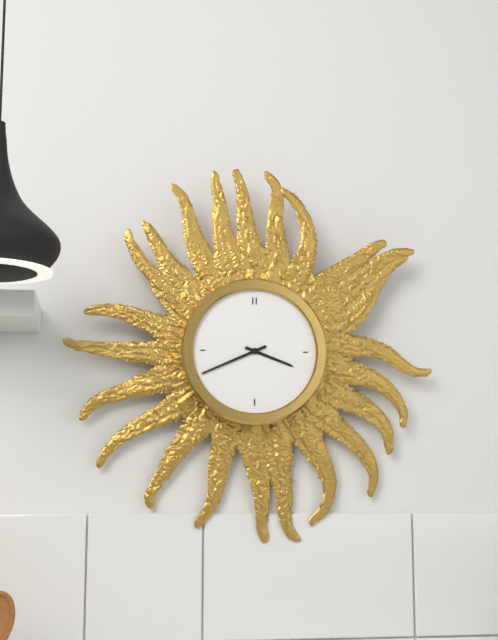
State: 3 h 41 min
